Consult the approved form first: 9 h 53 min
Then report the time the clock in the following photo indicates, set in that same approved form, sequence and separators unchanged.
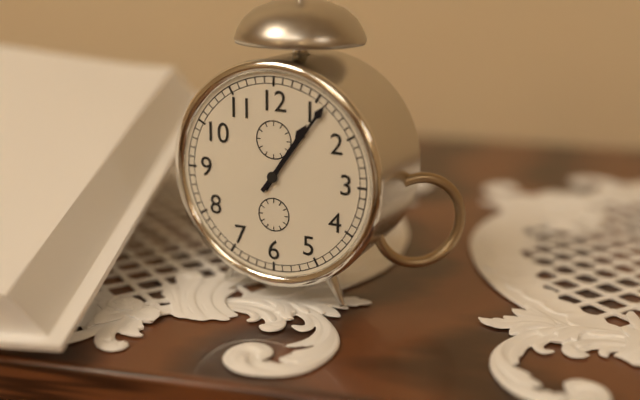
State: 1 h 06 min
